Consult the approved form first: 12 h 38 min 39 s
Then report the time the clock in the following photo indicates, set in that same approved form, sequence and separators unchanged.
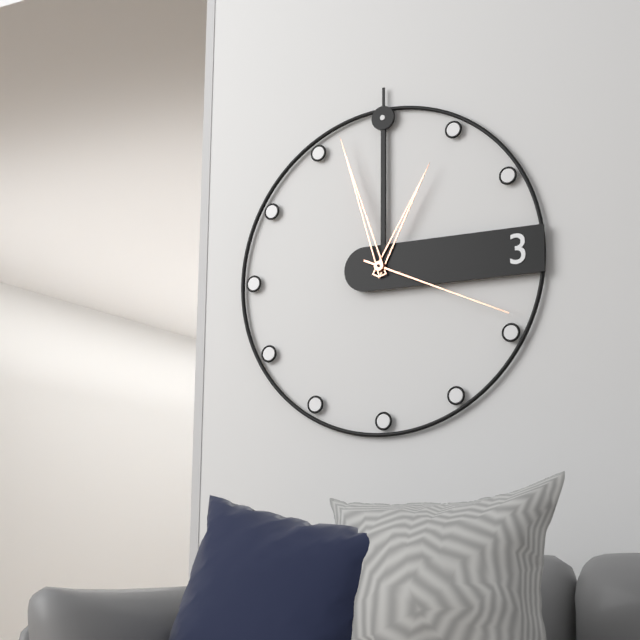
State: 12 h 57 min 19 s
